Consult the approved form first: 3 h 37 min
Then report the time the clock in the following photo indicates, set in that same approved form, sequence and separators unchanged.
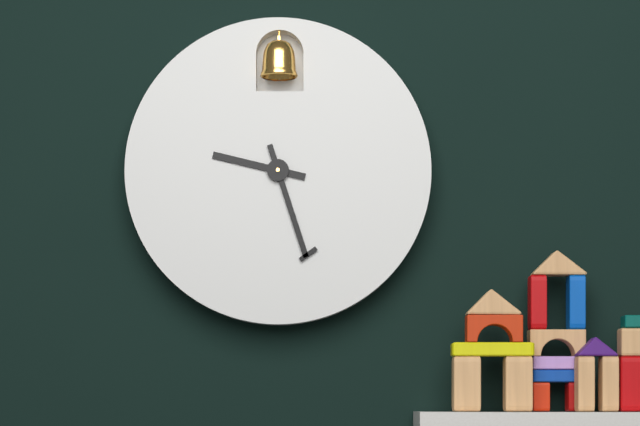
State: 9 h 27 min
